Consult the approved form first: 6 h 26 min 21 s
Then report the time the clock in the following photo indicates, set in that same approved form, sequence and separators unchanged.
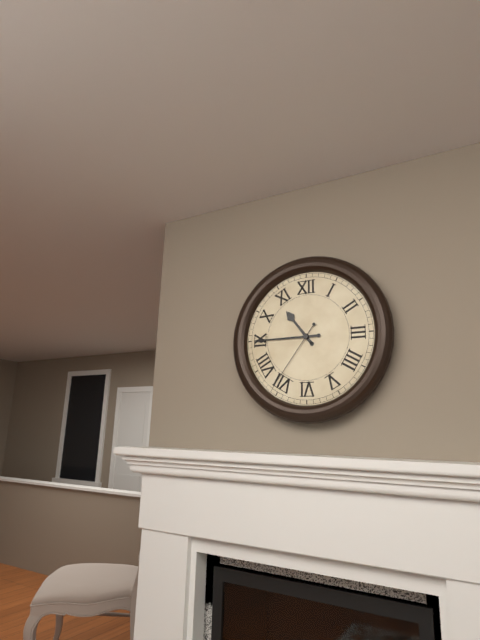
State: 10 h 45 min 36 s
